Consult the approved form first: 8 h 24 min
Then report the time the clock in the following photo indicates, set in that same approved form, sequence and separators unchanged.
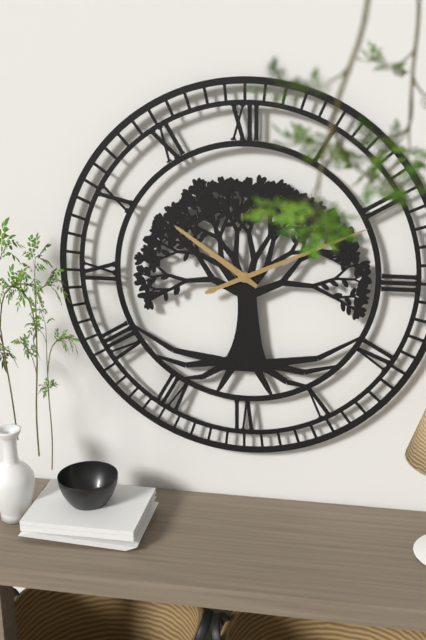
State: 10 h 11 min
